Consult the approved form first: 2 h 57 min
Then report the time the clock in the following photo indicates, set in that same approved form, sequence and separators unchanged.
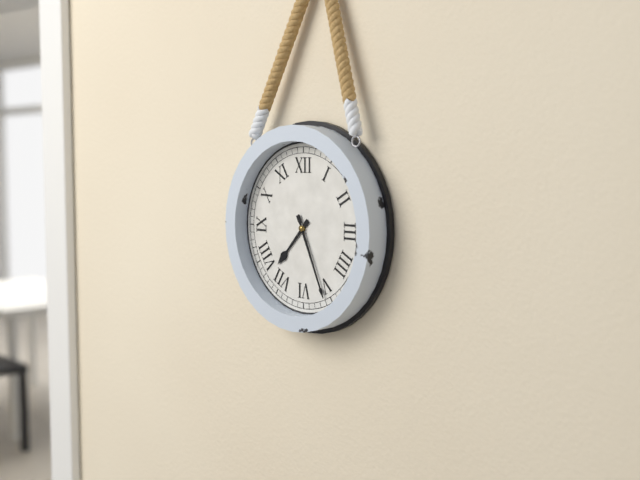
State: 7 h 26 min
